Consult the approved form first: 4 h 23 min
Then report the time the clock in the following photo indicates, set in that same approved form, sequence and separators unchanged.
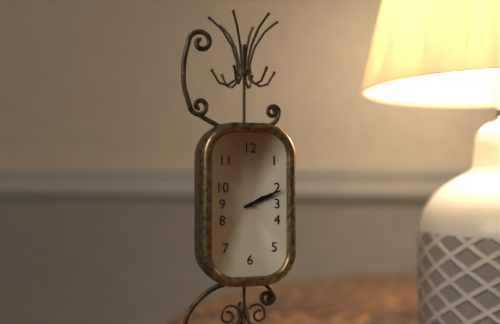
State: 2 h 11 min
